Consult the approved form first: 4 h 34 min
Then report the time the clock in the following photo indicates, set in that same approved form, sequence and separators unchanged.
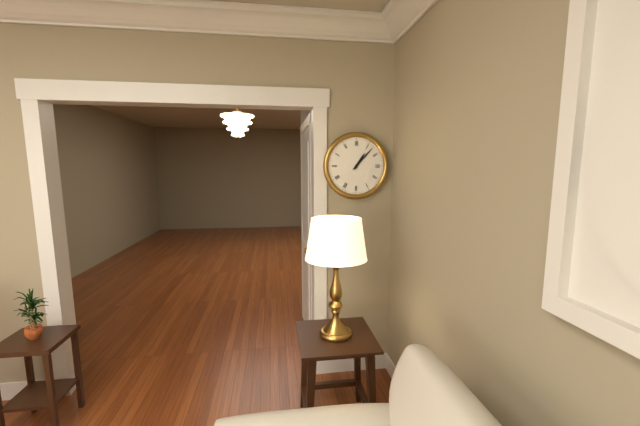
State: 1 h 07 min
